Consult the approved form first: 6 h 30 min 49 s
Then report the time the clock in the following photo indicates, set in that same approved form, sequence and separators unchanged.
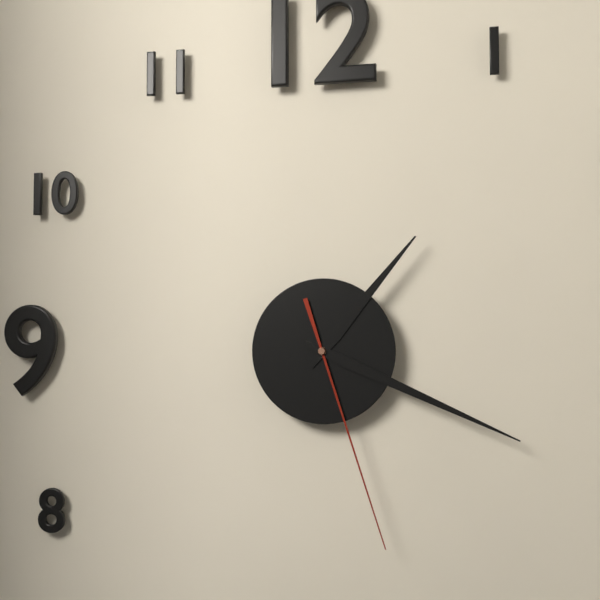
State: 1 h 19 min 27 s
